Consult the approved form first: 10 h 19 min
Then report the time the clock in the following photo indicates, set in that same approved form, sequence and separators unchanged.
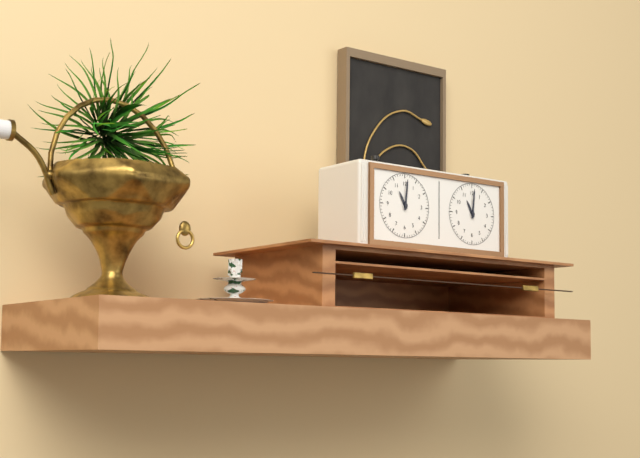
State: 11 h 01 min
